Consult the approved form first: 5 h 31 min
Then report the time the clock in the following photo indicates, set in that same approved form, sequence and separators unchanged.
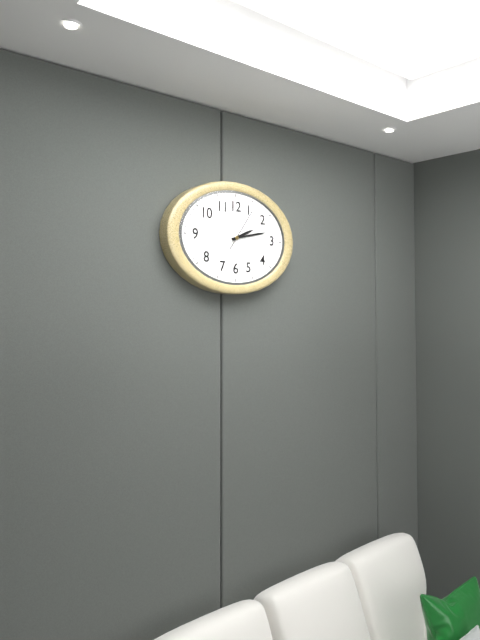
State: 2 h 13 min
